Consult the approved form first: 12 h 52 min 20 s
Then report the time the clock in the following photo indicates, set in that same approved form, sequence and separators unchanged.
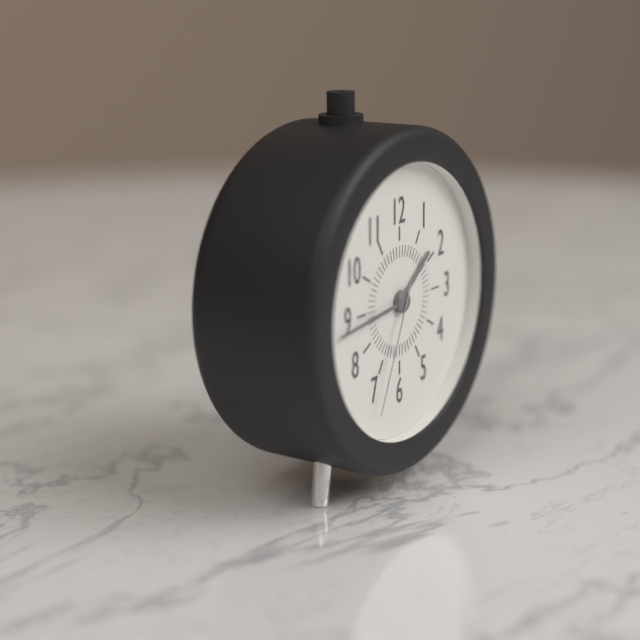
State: 1 h 44 min 34 s
